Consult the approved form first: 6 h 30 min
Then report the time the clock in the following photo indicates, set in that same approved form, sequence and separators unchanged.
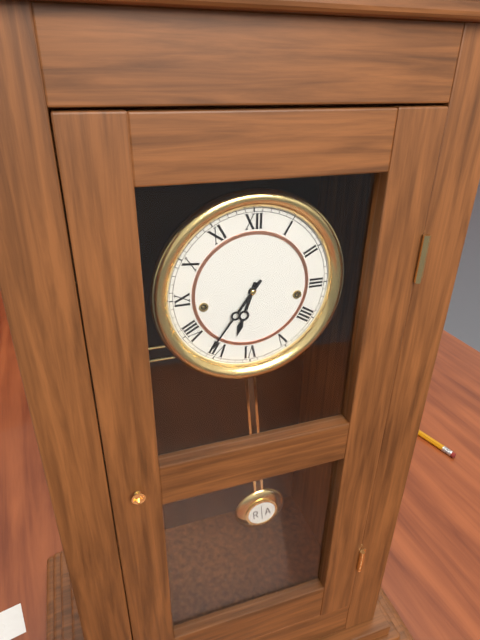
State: 6 h 36 min
